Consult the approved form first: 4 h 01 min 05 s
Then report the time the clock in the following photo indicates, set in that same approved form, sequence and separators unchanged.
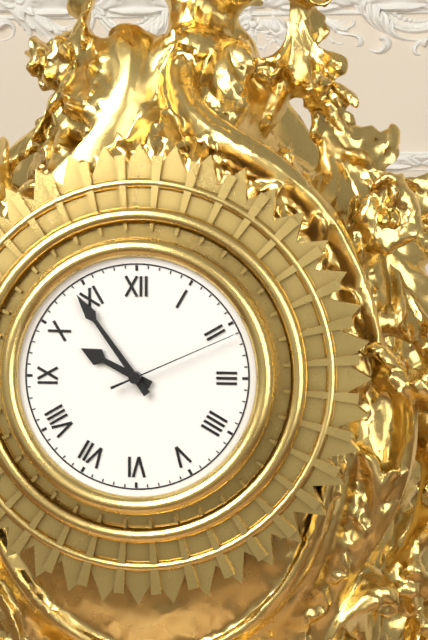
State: 9 h 54 min 11 s
